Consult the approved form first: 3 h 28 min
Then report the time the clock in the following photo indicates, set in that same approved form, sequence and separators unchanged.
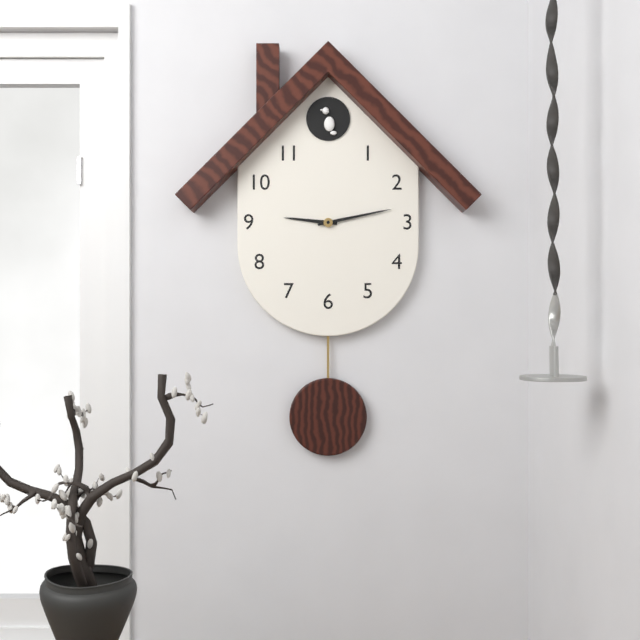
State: 9 h 13 min
